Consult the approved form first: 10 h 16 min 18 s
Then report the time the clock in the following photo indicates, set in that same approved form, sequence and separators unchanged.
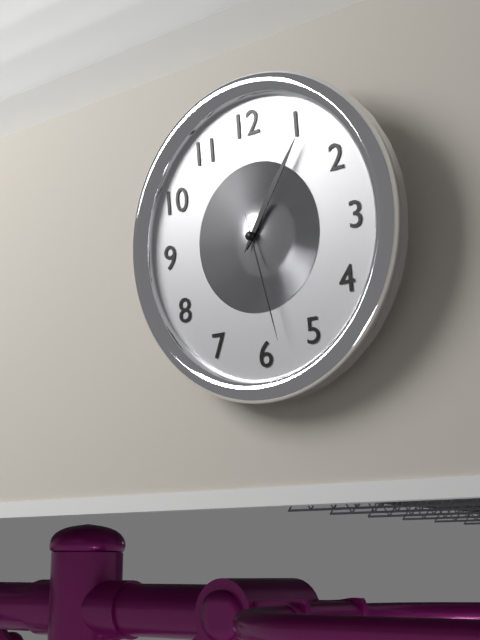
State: 1 h 06 min 28 s
